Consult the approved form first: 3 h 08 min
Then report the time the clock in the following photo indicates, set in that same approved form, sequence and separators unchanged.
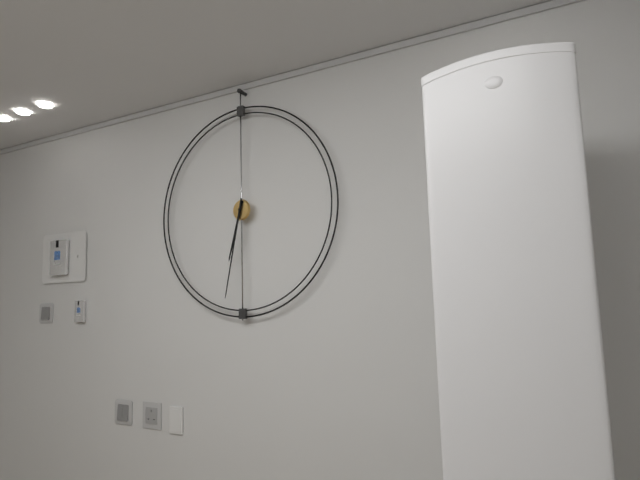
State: 6 h 32 min
